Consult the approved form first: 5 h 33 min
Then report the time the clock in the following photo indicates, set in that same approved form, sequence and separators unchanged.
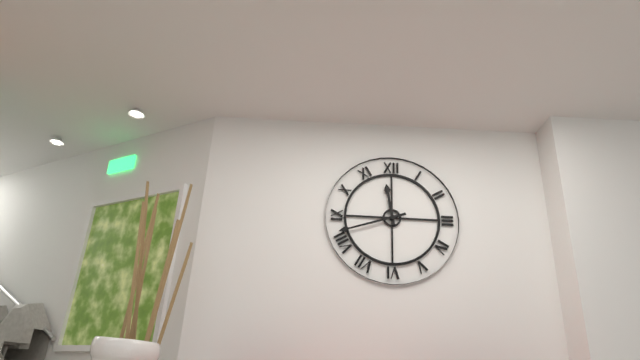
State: 11 h 42 min
